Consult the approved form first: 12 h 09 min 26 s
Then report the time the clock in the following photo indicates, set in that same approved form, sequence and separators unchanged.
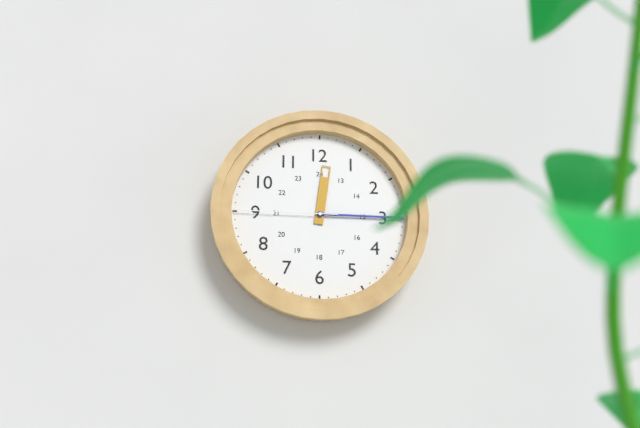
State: 12 h 15 min 45 s
